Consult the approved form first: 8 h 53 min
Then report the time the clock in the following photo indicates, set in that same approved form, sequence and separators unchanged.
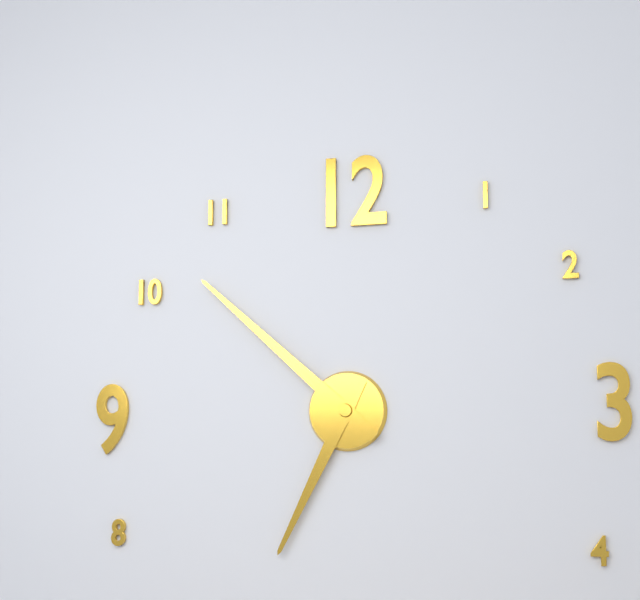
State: 6 h 52 min
